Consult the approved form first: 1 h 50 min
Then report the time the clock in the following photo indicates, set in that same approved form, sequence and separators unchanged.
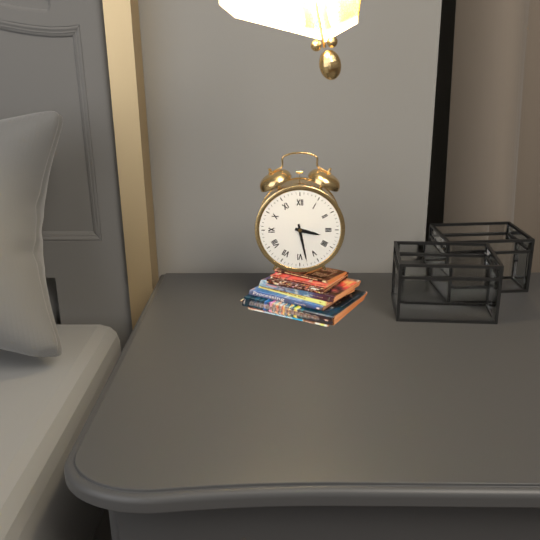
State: 3 h 28 min
